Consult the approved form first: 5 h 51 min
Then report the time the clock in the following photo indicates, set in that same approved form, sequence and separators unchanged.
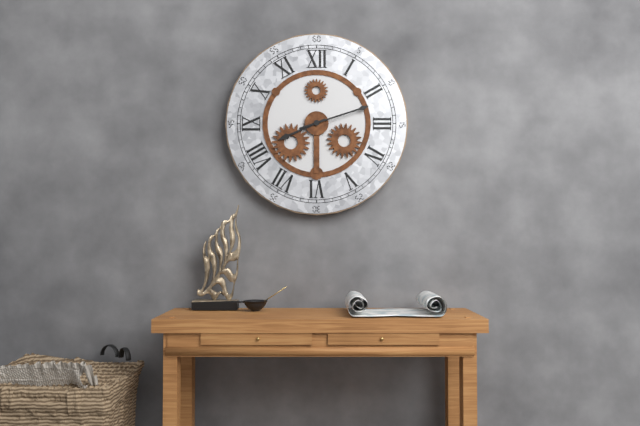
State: 8 h 12 min
